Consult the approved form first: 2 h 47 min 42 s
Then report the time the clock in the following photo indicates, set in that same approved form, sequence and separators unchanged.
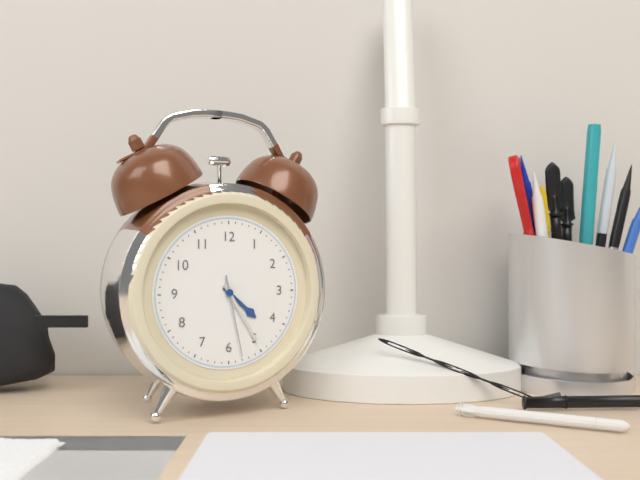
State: 4 h 25 min 28 s
